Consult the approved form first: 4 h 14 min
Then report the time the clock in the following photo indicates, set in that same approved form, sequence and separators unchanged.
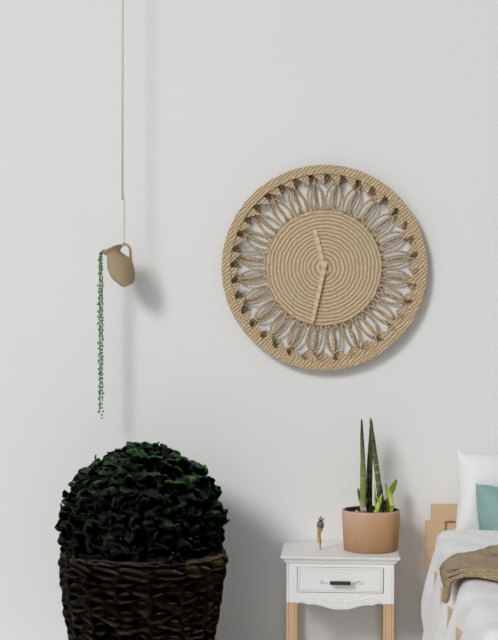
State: 11 h 32 min
